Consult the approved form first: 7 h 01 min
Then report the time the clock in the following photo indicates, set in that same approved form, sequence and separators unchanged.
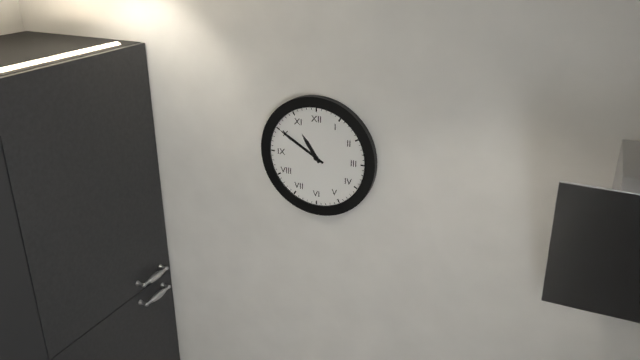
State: 10 h 50 min
